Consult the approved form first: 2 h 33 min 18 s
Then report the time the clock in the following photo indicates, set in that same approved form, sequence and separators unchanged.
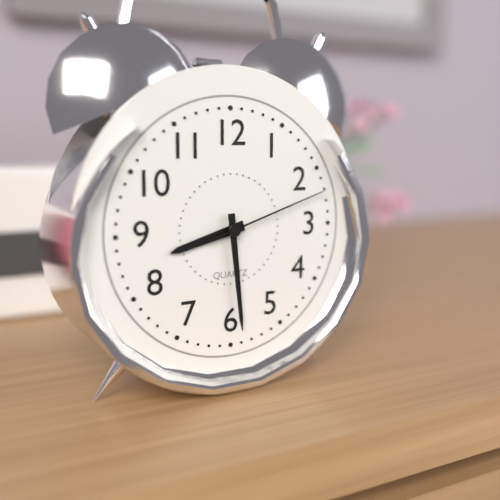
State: 8 h 29 min 12 s
